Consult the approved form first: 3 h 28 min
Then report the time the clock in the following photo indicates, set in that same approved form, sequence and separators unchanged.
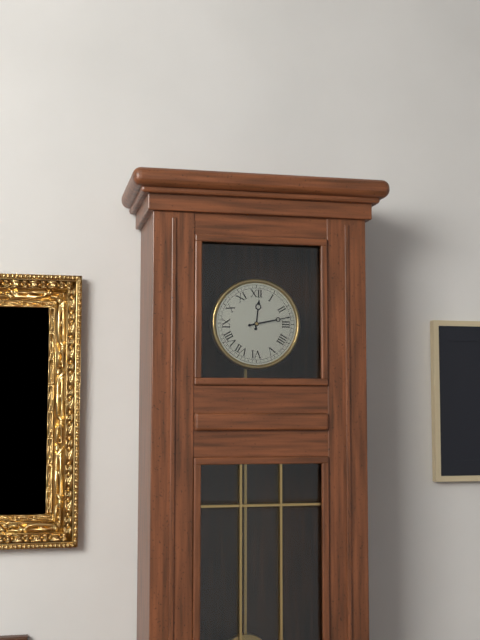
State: 12 h 13 min
